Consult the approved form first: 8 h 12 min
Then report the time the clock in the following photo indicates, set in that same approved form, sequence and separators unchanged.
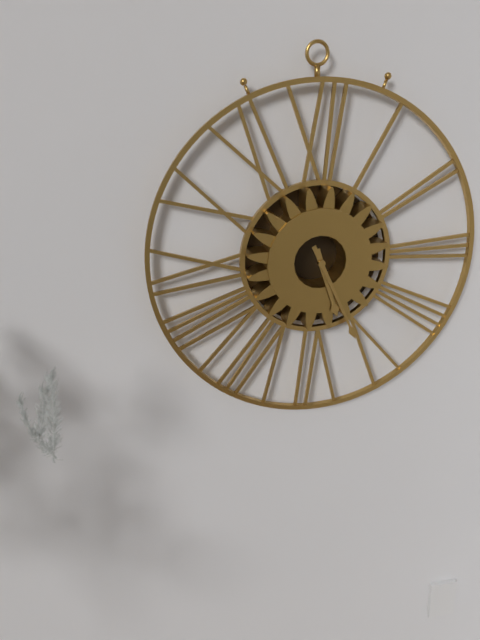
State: 5 h 26 min
